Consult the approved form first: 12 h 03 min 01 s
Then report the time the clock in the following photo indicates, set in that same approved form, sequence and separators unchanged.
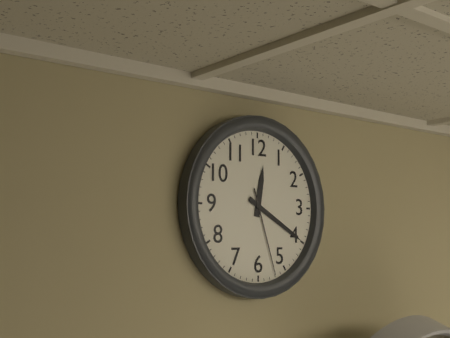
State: 12 h 20 min 27 s
